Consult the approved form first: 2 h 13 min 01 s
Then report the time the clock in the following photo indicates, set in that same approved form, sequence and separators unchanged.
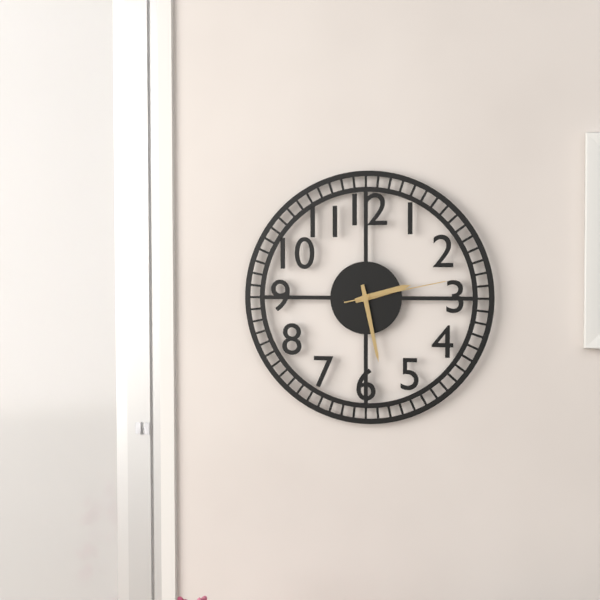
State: 2 h 28 min 13 s
